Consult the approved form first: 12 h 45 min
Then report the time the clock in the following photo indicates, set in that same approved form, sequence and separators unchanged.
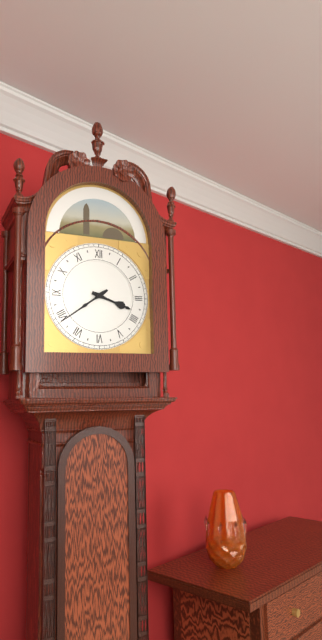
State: 3 h 39 min
